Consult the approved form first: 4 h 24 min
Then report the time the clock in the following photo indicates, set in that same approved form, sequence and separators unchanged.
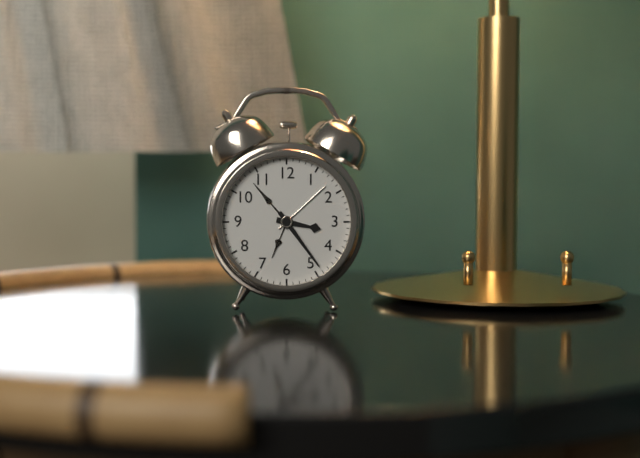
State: 3 h 24 min
